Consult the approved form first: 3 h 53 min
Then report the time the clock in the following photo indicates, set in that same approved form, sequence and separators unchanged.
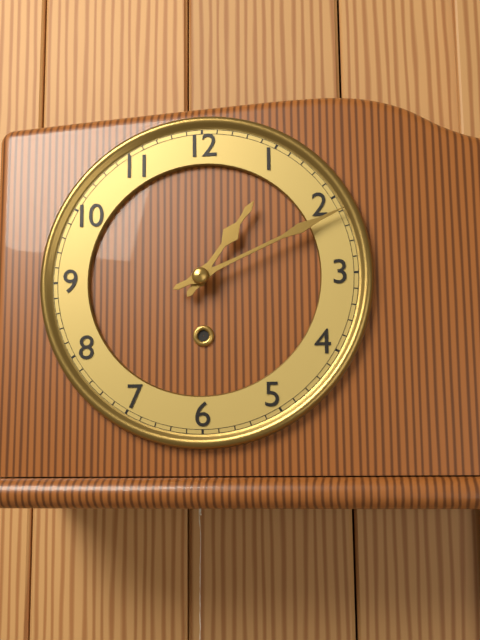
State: 1 h 11 min
